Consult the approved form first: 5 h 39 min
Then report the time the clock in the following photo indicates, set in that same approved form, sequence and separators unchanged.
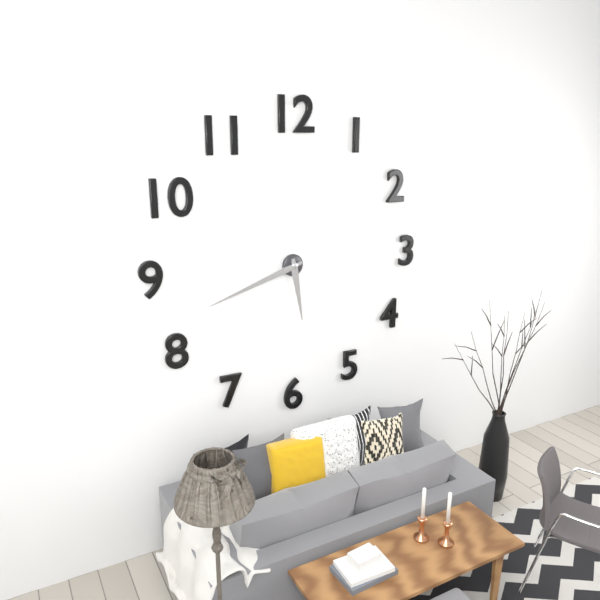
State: 5 h 42 min
